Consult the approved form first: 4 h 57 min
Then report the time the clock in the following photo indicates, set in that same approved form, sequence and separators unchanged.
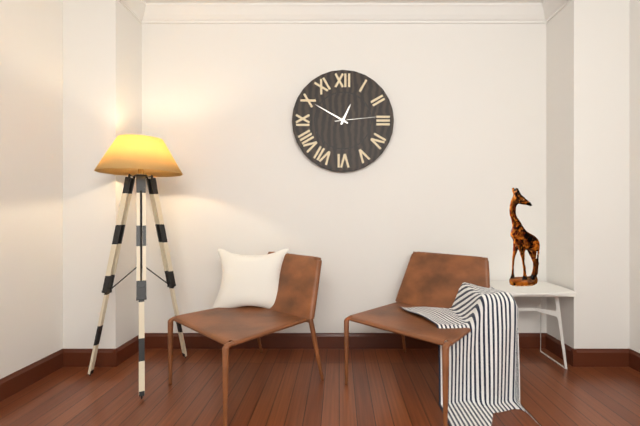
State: 12 h 50 min
